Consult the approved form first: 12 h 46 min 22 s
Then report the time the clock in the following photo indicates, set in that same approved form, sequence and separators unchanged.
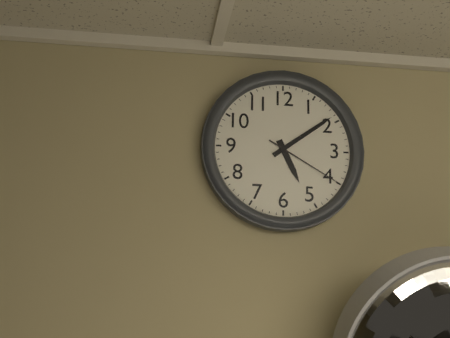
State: 5 h 09 min 20 s
